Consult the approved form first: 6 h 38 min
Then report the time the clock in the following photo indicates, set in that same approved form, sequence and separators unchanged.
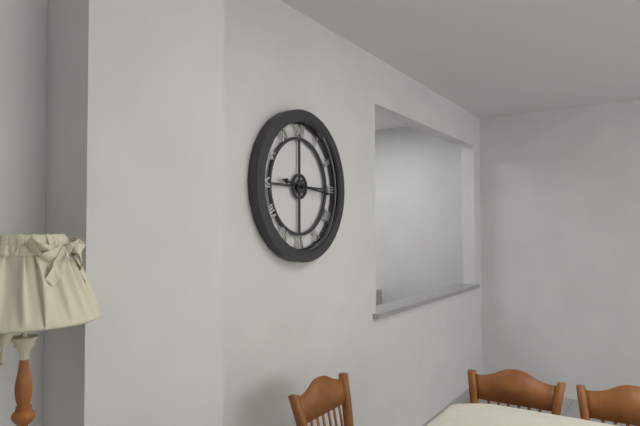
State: 9 h 16 min
